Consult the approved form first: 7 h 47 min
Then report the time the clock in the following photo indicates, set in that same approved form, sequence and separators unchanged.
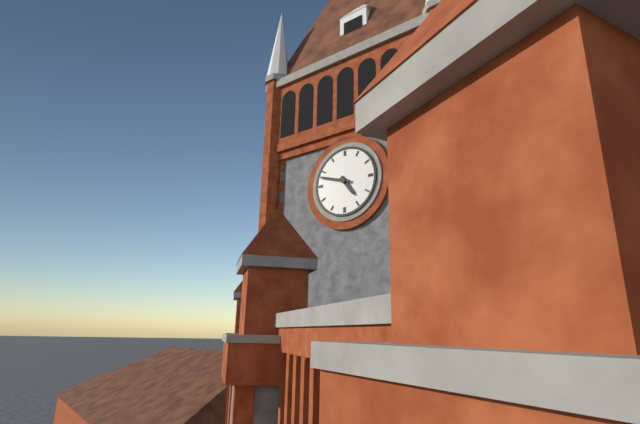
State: 4 h 48 min
